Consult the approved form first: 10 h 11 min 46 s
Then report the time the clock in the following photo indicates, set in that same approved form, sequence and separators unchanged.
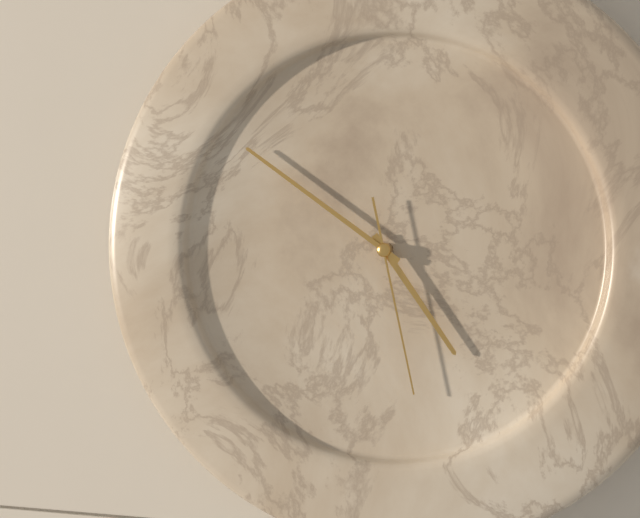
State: 4 h 51 min 28 s
